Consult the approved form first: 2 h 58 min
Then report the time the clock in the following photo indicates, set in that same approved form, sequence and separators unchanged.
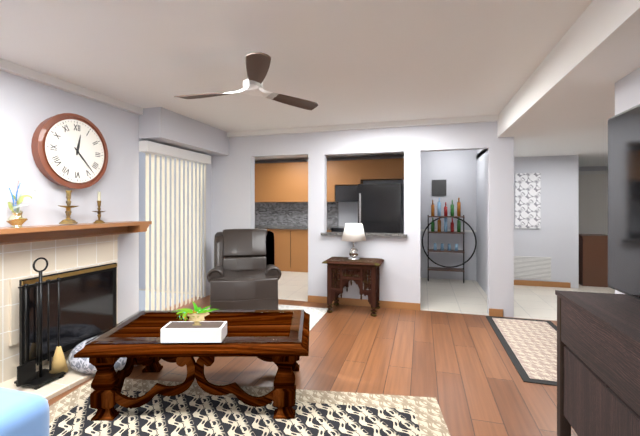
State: 12 h 23 min
